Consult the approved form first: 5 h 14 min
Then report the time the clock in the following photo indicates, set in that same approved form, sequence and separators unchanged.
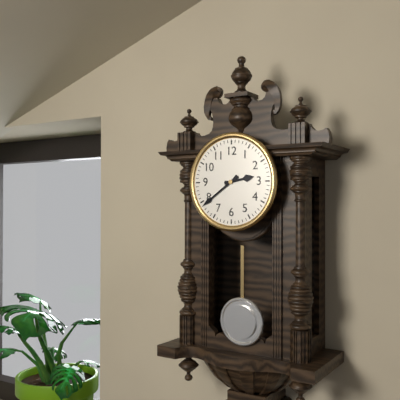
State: 2 h 39 min
